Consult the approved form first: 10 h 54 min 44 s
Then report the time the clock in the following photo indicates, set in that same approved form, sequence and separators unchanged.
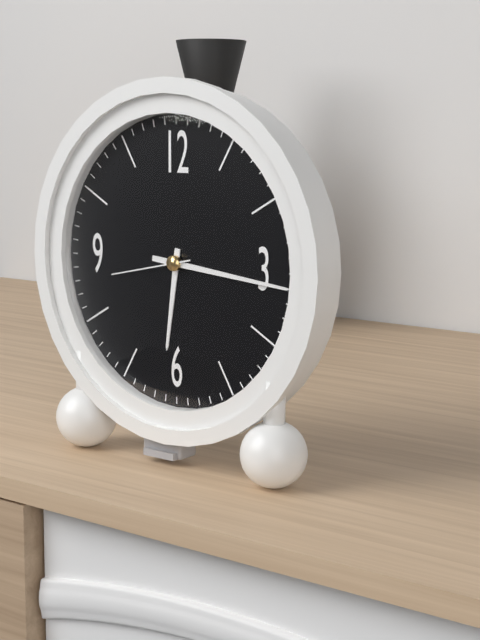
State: 6 h 16 min 43 s
